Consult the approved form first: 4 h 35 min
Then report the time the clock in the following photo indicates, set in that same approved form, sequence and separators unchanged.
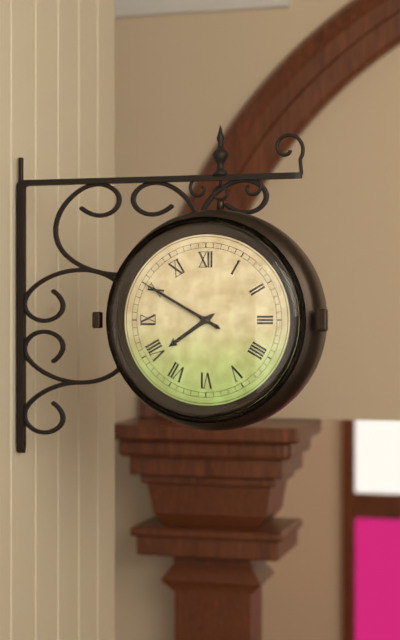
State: 7 h 50 min
